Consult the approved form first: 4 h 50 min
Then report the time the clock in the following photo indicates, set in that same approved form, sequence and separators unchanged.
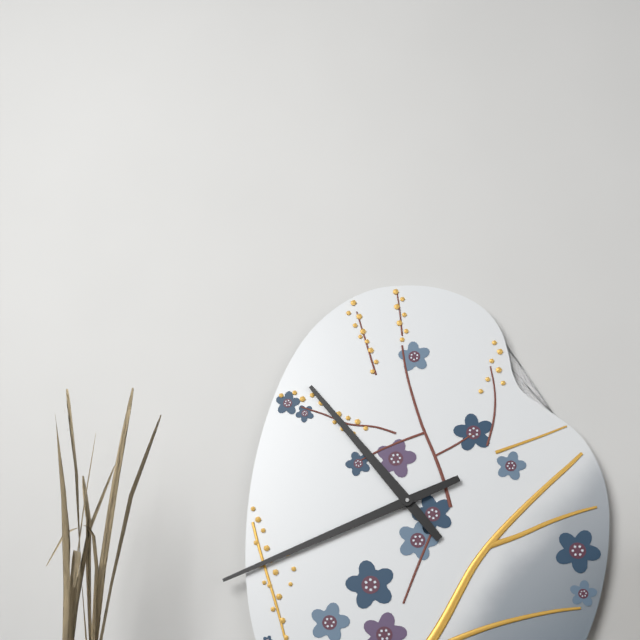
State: 10 h 41 min
